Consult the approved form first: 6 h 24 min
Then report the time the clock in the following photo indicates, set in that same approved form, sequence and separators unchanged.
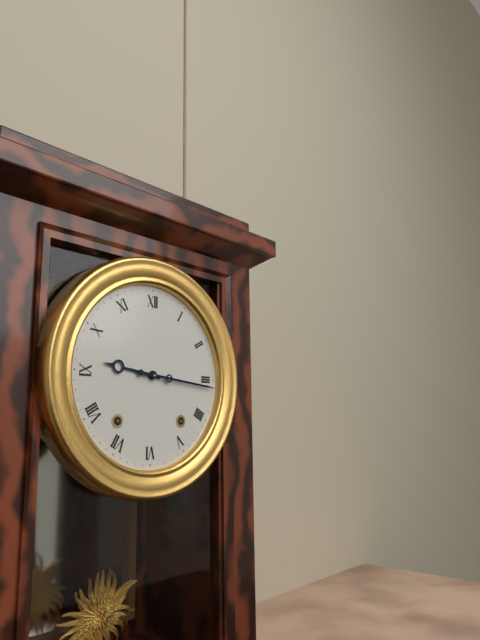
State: 9 h 16 min
